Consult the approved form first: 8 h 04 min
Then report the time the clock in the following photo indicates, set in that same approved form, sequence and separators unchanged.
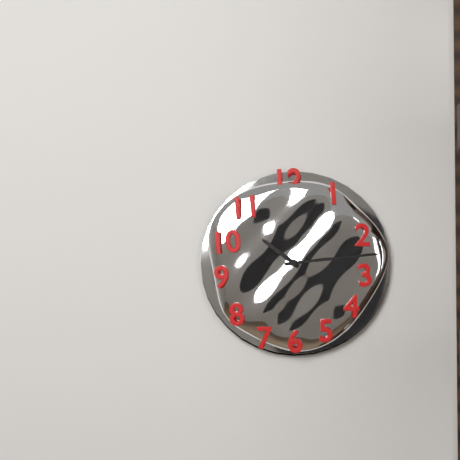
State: 10 h 14 min
